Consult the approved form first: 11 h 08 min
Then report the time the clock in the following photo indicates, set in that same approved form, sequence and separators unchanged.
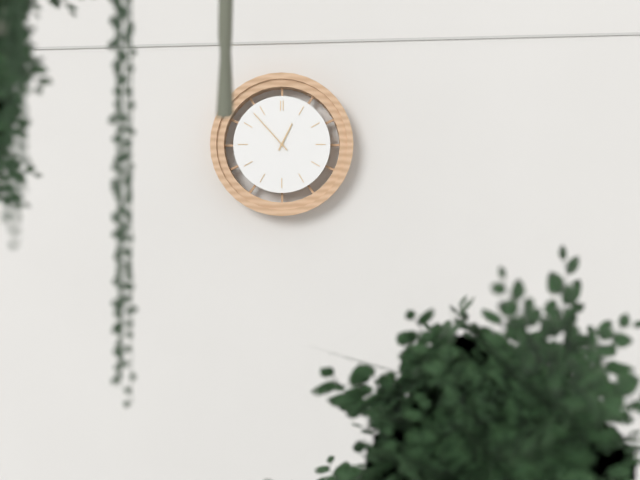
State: 12 h 53 min
